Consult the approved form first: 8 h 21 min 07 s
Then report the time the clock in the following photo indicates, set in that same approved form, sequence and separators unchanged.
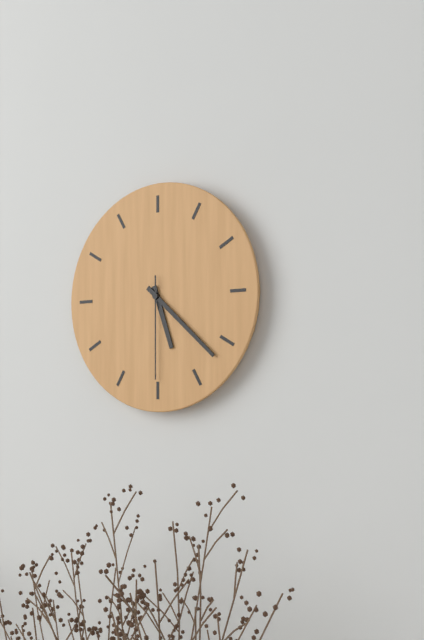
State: 5 h 22 min 30 s
